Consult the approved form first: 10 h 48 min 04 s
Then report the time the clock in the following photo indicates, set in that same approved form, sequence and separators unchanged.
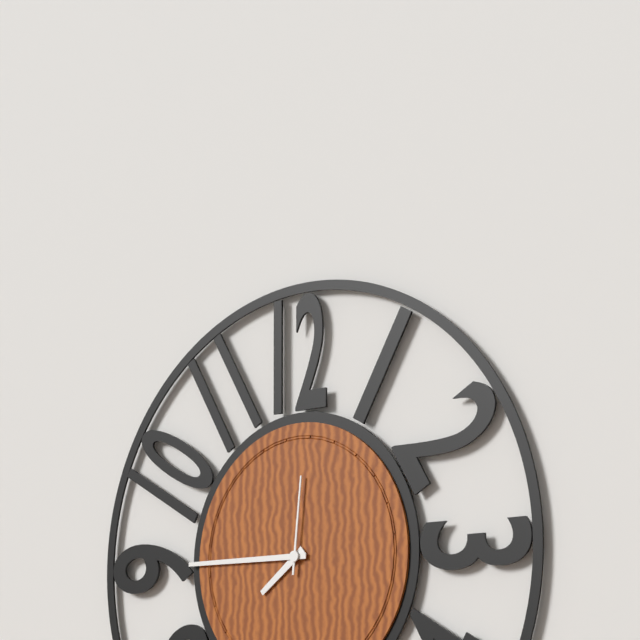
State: 7 h 45 min 01 s
